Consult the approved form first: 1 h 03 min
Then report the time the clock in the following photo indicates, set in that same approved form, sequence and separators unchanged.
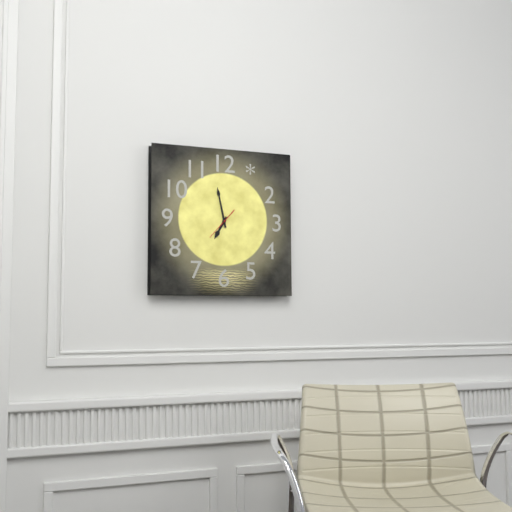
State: 6 h 58 min
